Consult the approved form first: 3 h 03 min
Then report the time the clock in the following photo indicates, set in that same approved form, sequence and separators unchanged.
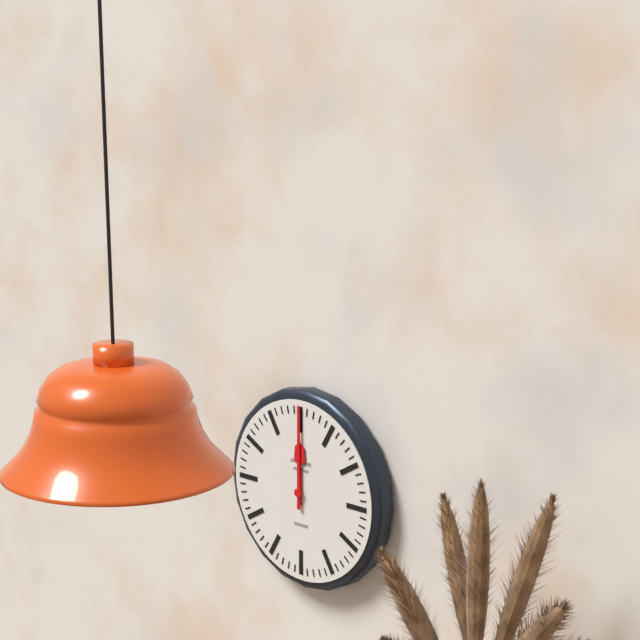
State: 12 h 00 min
